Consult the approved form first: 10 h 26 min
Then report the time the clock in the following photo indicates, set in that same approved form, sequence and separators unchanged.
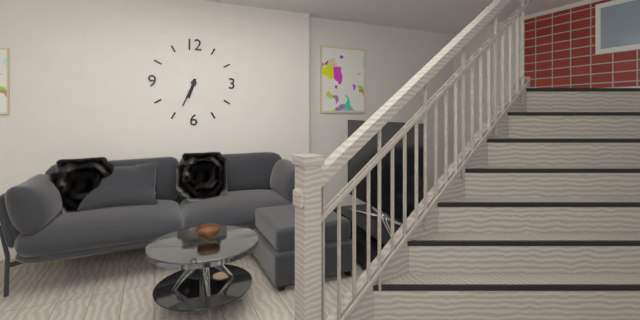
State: 6 h 34 min
